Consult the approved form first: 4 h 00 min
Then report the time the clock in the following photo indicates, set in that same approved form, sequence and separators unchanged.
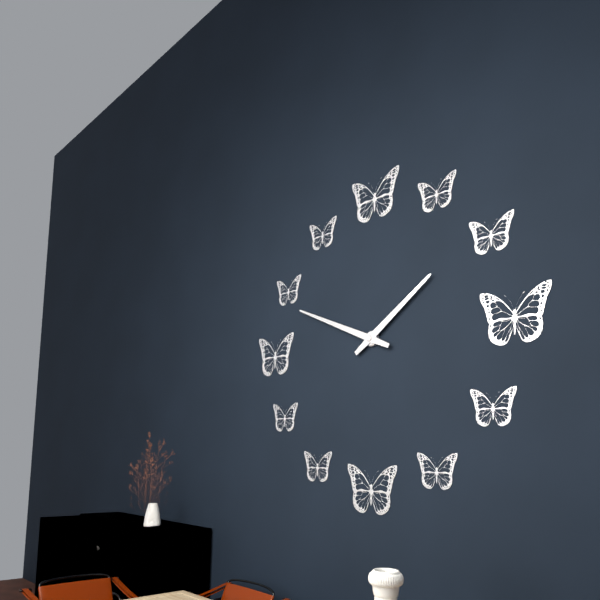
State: 1 h 49 min
